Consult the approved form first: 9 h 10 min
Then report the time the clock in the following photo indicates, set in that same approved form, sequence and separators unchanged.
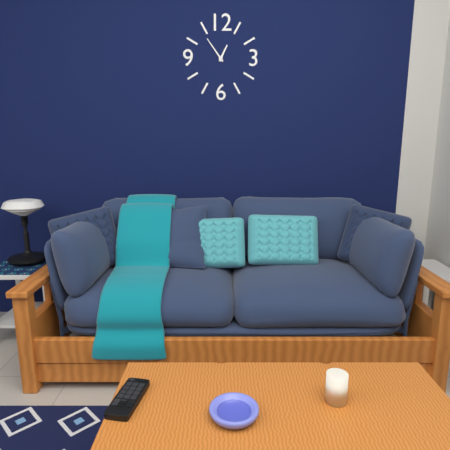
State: 12 h 54 min
